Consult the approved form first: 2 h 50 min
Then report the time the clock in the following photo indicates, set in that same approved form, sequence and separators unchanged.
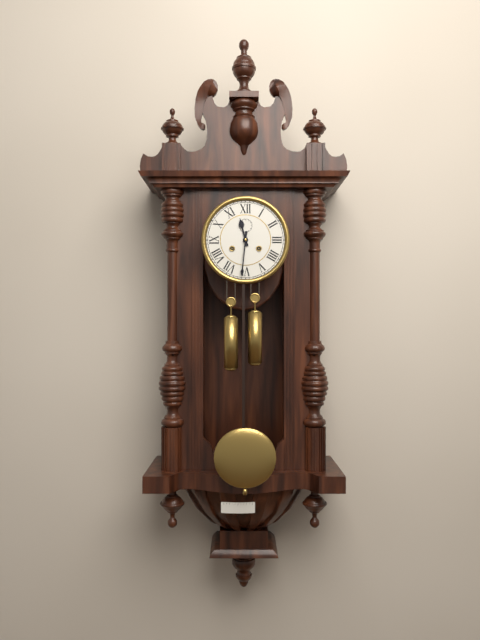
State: 11 h 31 min
